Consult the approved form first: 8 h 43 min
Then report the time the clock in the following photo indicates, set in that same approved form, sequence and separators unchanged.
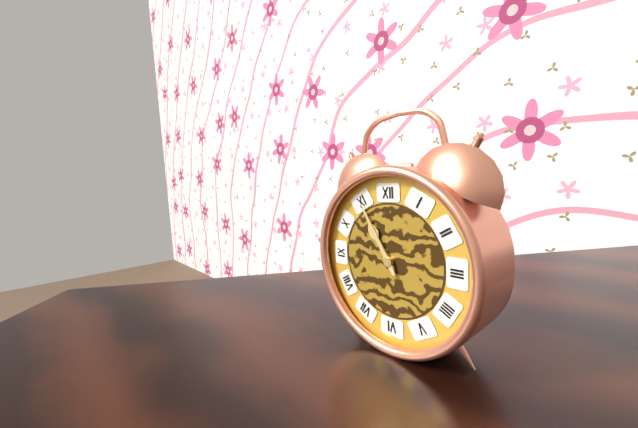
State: 10 h 55 min
